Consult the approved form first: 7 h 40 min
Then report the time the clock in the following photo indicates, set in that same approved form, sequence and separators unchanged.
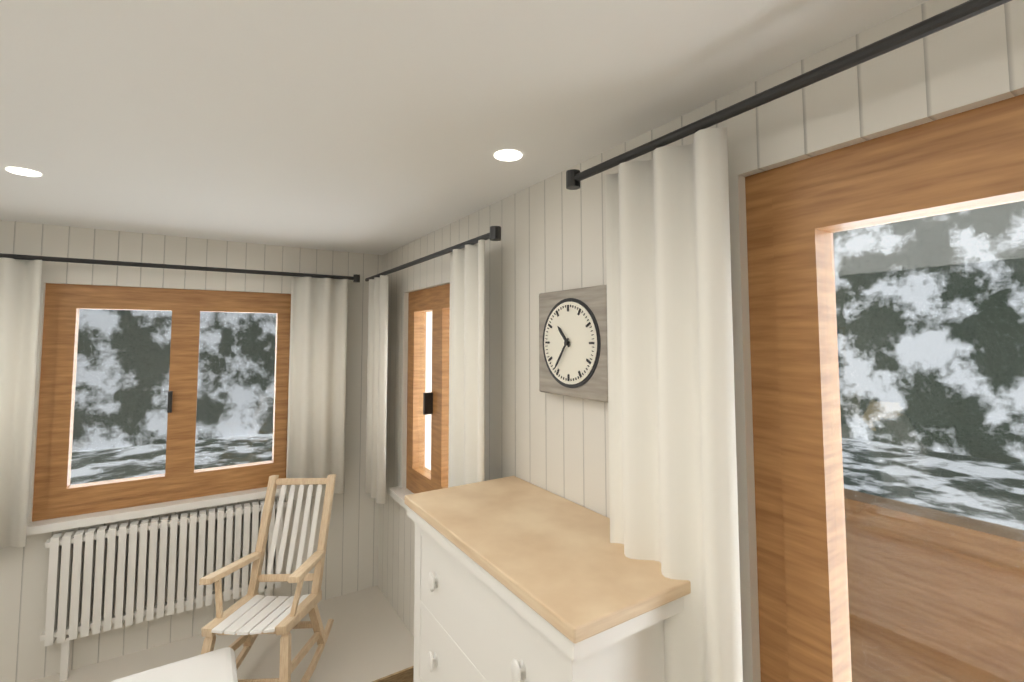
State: 10 h 36 min
